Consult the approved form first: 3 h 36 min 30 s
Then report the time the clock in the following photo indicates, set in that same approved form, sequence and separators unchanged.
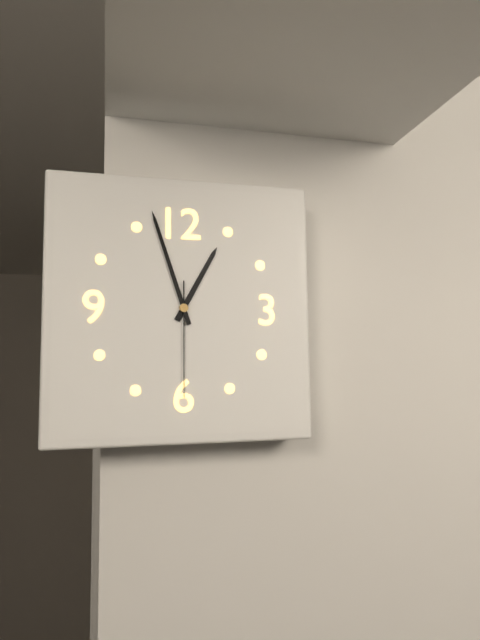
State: 12 h 57 min 30 s
